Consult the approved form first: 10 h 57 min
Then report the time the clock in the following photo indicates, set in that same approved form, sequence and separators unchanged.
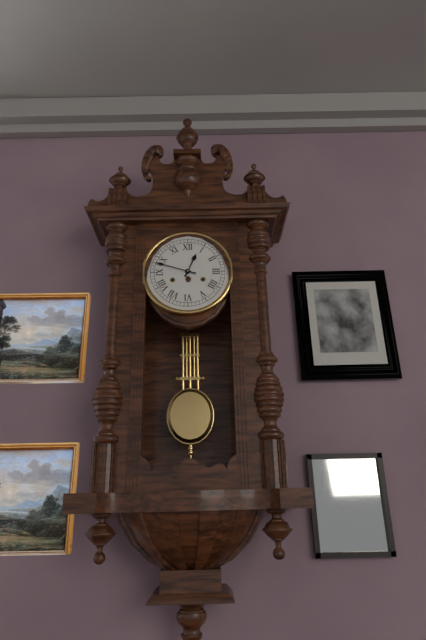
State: 12 h 48 min
